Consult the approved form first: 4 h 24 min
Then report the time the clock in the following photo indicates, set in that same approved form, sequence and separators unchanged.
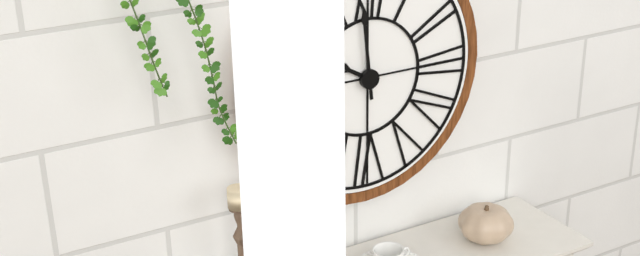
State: 9 h 59 min
